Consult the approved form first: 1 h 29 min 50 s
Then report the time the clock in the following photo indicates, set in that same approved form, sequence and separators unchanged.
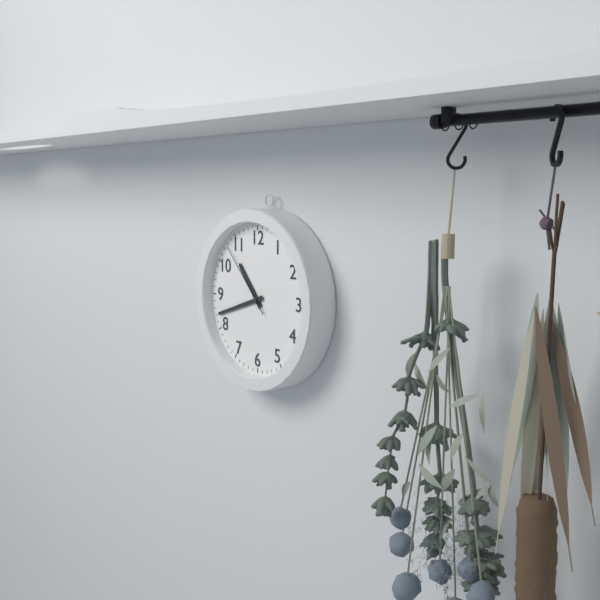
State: 10 h 42 min 53 s
